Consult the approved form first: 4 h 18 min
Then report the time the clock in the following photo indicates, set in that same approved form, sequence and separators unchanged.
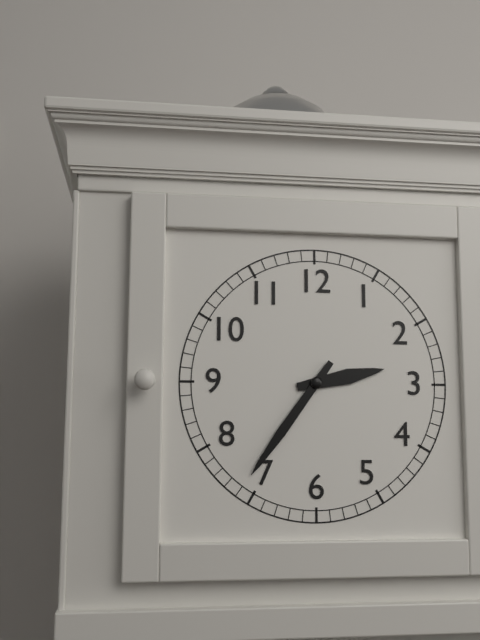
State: 2 h 36 min
